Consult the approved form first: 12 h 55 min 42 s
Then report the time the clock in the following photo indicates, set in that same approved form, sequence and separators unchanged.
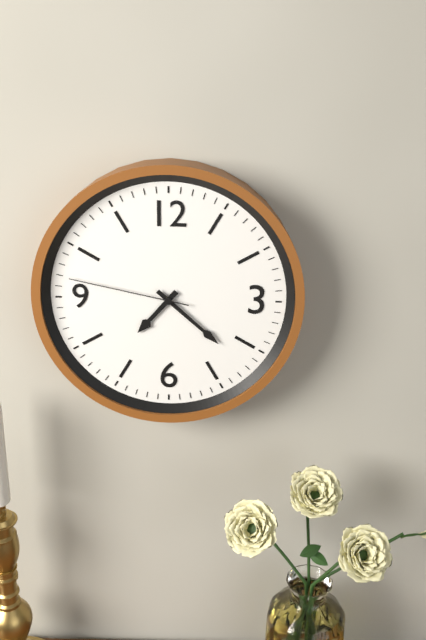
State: 7 h 22 min 47 s
